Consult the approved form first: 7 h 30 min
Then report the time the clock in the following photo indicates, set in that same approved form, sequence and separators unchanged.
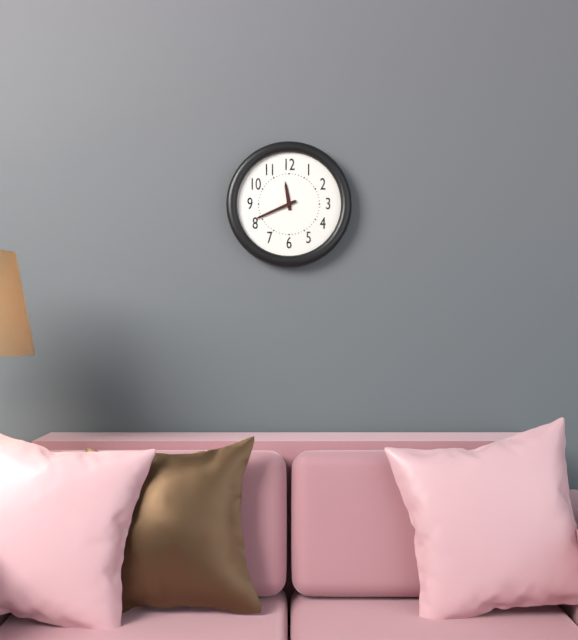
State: 11 h 41 min
